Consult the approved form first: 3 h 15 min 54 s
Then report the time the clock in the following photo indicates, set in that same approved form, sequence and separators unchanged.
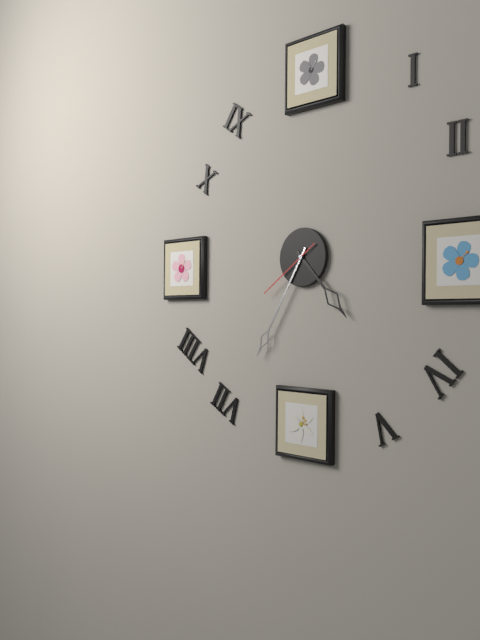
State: 4 h 35 min 39 s
